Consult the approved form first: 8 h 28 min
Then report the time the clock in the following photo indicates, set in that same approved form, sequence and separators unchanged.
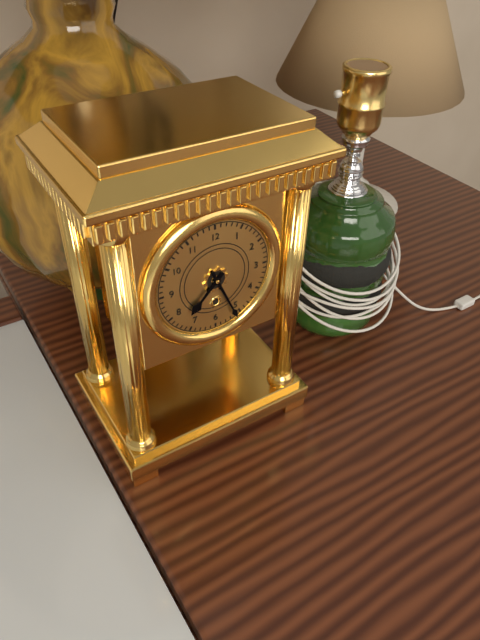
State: 7 h 26 min
